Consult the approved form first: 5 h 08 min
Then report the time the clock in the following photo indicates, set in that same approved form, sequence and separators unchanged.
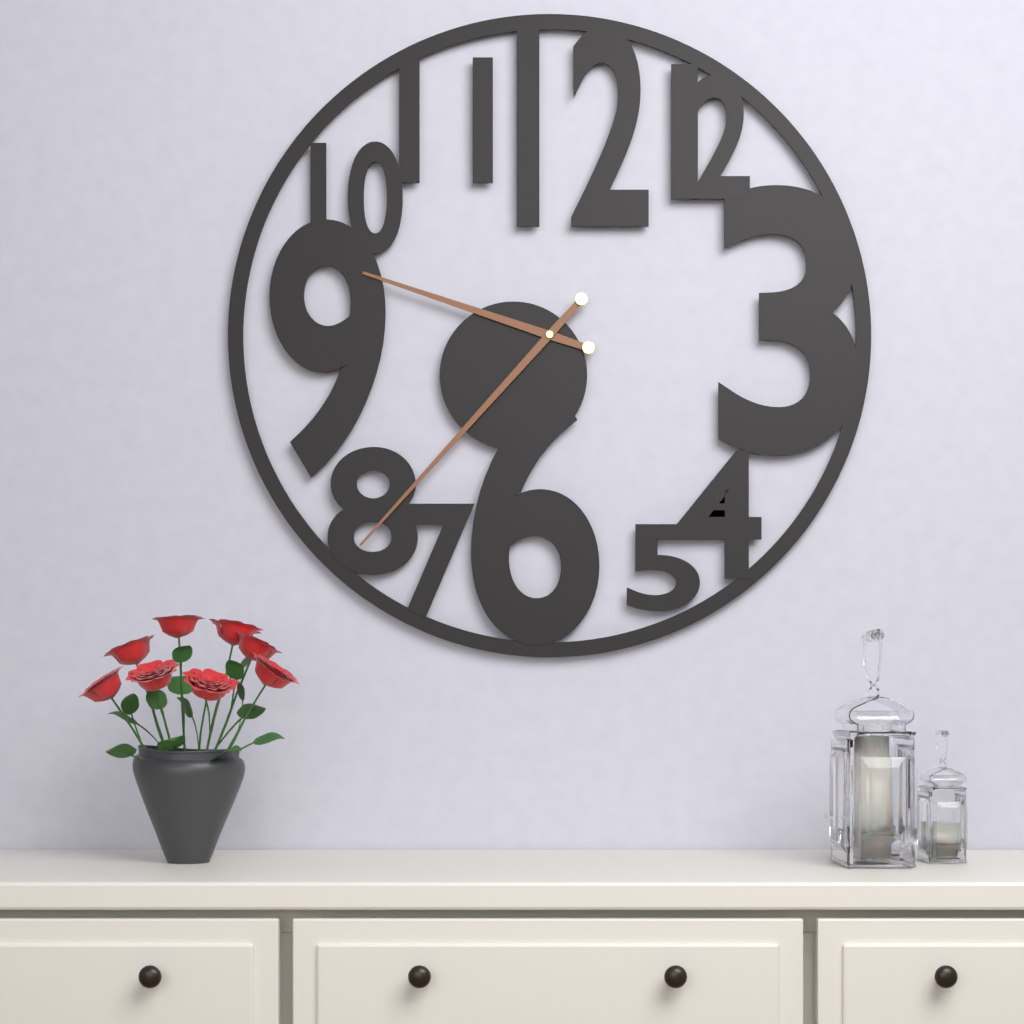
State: 9 h 37 min
